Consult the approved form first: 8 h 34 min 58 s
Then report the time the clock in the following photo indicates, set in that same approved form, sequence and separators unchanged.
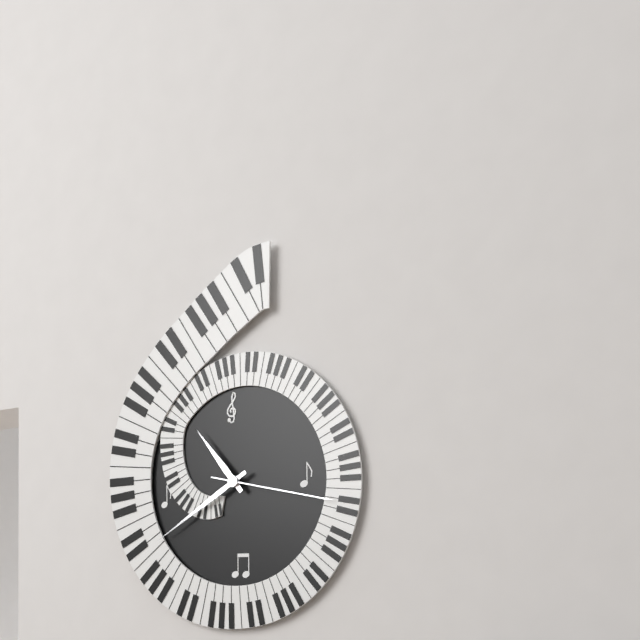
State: 10 h 40 min 17 s
